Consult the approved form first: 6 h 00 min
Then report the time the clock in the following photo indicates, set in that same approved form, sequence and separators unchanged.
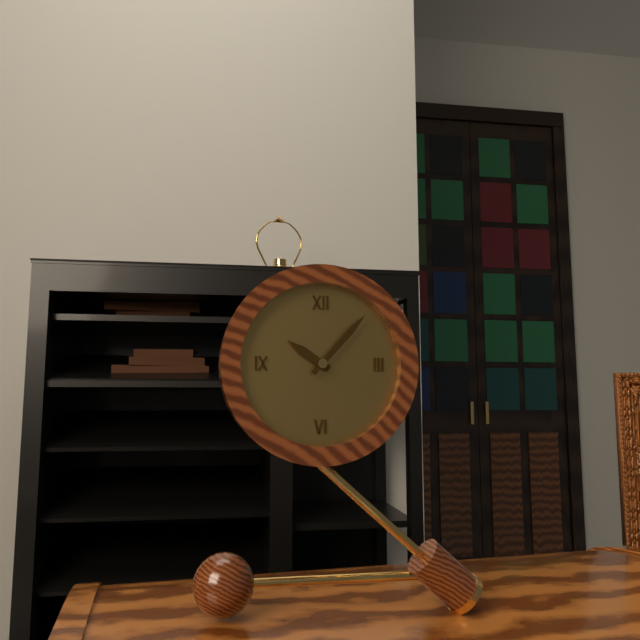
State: 10 h 07 min
